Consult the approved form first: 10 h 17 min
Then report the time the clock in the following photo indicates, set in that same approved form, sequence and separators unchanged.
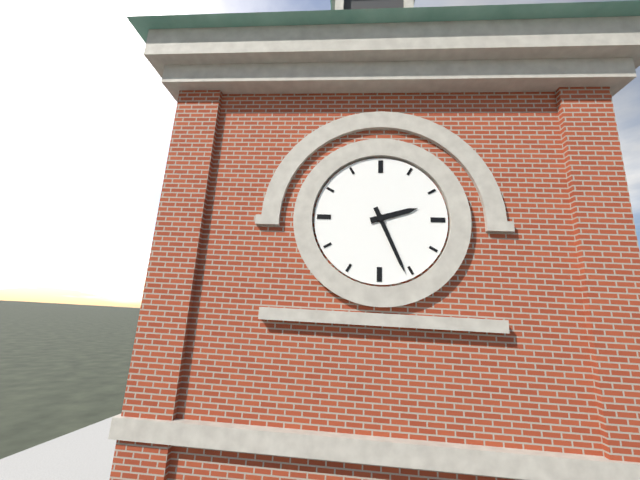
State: 2 h 26 min
